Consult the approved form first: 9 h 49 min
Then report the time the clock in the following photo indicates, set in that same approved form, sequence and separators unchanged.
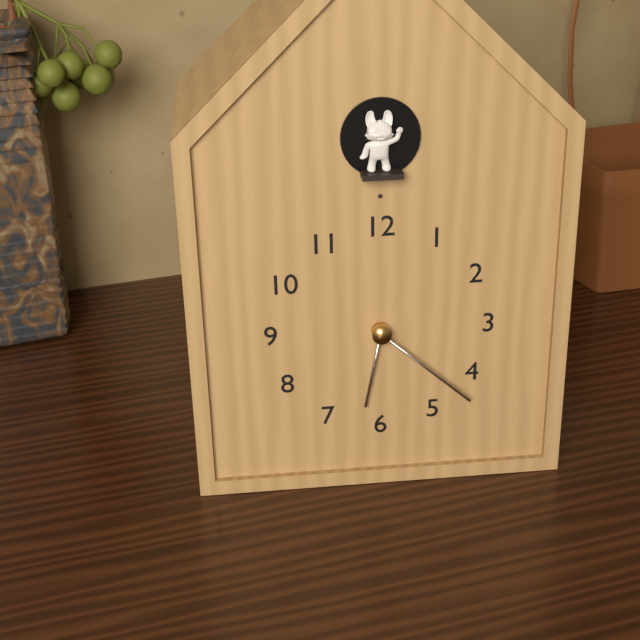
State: 6 h 22 min
